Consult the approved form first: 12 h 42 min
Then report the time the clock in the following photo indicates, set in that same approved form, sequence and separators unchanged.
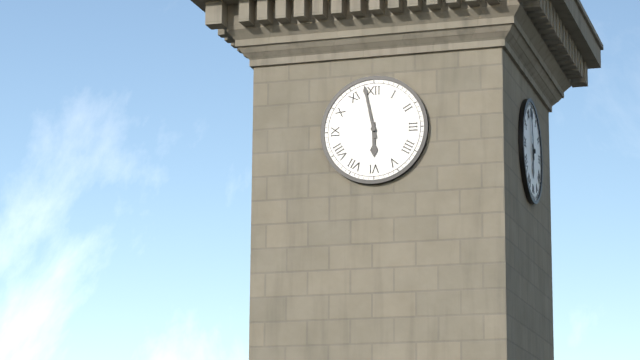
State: 5 h 58 min
